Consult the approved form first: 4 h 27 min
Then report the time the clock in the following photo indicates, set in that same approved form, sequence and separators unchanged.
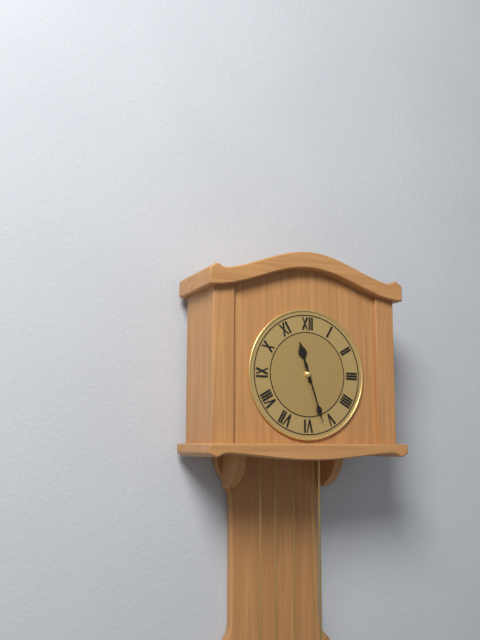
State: 11 h 27 min
